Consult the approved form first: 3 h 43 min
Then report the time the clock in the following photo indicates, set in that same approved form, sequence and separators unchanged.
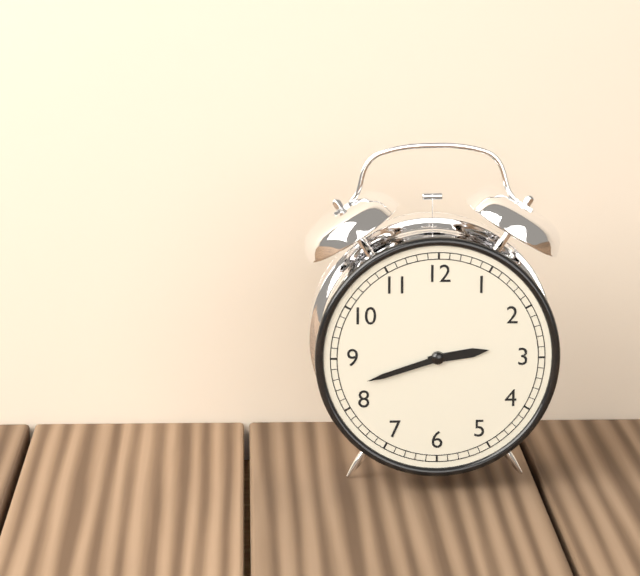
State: 2 h 42 min
